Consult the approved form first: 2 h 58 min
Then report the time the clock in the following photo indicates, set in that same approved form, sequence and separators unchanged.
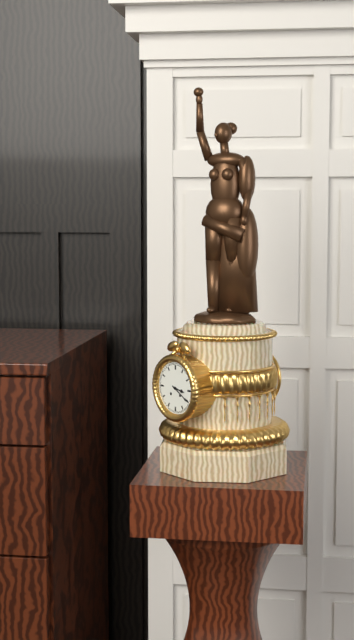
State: 3 h 20 min
